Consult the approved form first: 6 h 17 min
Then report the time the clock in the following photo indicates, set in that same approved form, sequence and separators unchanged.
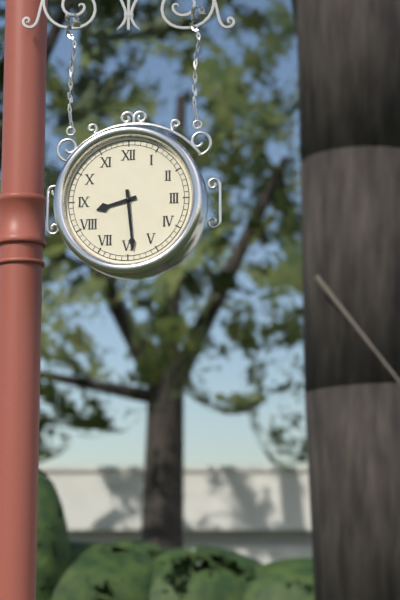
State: 8 h 29 min
